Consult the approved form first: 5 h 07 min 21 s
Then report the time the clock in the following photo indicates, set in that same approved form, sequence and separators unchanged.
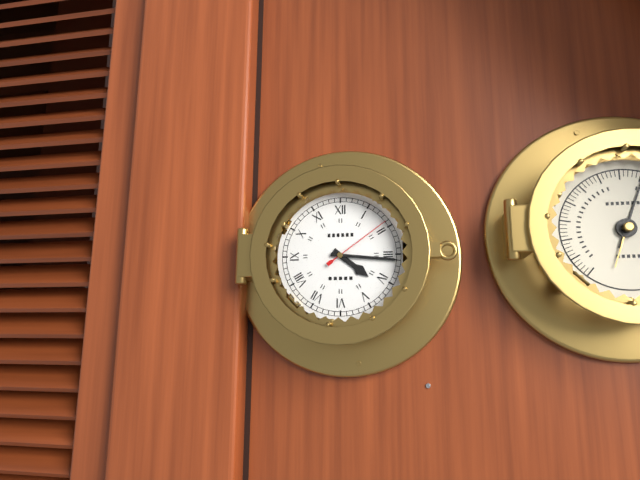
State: 4 h 16 min 09 s
